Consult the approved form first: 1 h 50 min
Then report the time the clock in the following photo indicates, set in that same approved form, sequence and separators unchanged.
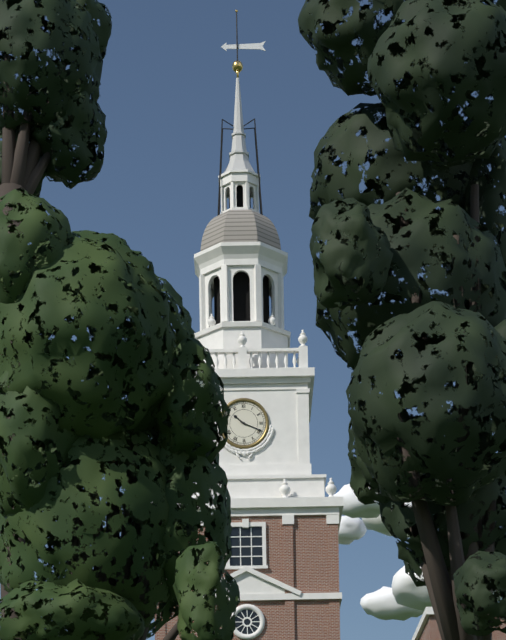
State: 10 h 19 min
